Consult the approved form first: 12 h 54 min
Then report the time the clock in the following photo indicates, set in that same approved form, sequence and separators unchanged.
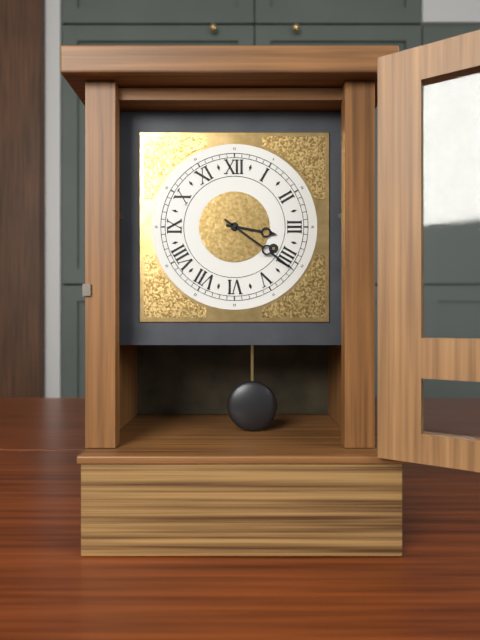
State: 3 h 21 min
